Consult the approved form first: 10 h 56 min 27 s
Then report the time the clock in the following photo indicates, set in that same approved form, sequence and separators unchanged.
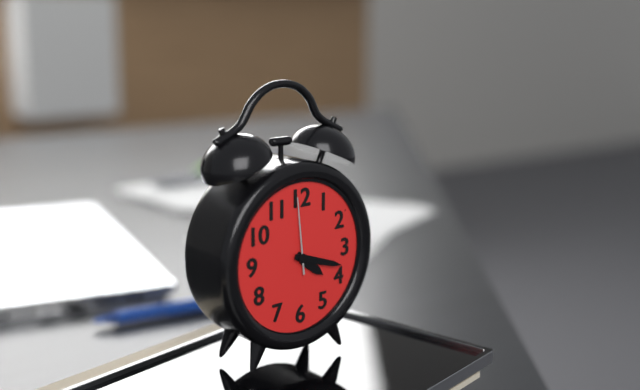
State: 4 h 18 min 59 s
